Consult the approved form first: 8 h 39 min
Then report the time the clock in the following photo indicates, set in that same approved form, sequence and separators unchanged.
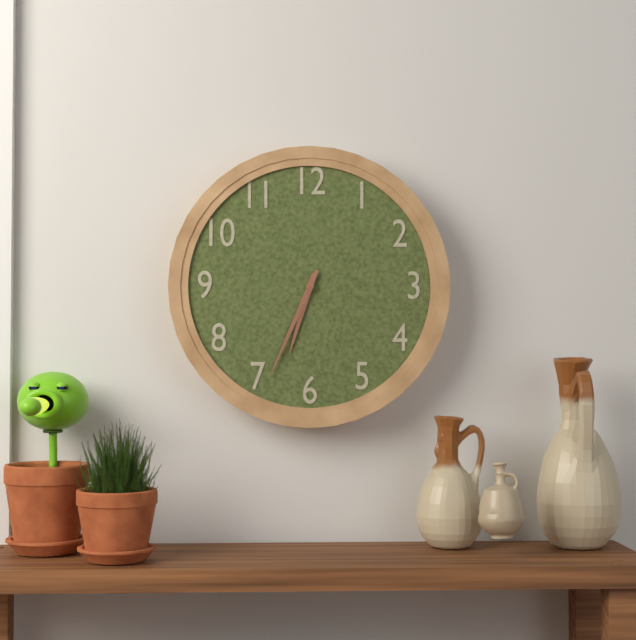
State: 6 h 34 min
